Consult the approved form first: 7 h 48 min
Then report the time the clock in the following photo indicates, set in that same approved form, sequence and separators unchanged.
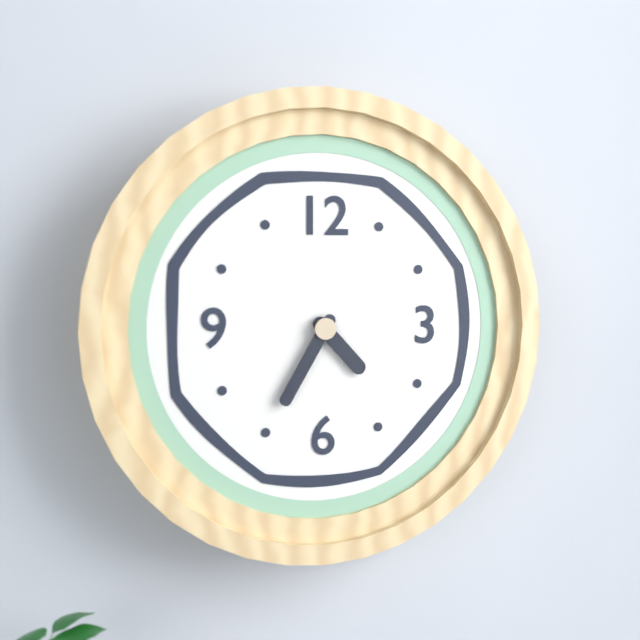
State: 4 h 35 min
